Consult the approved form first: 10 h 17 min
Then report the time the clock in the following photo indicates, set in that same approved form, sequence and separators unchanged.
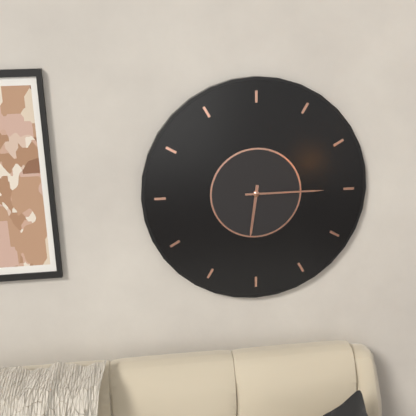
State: 6 h 15 min
